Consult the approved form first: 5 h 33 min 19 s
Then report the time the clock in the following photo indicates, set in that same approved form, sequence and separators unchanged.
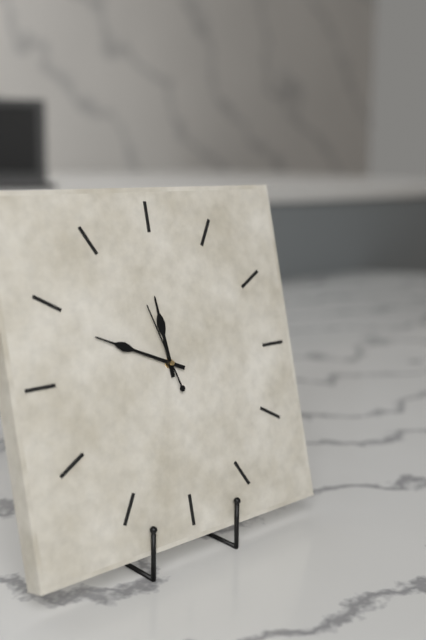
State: 11 h 49 min 57 s
